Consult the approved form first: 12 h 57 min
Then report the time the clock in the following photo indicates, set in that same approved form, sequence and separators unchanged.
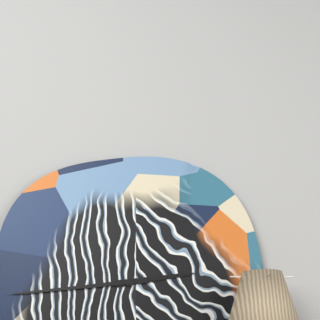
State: 2 h 44 min
